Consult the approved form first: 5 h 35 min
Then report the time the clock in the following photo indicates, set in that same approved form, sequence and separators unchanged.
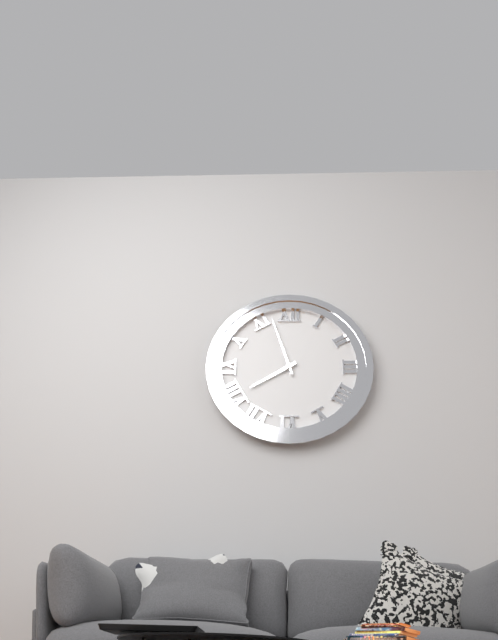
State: 7 h 57 min
